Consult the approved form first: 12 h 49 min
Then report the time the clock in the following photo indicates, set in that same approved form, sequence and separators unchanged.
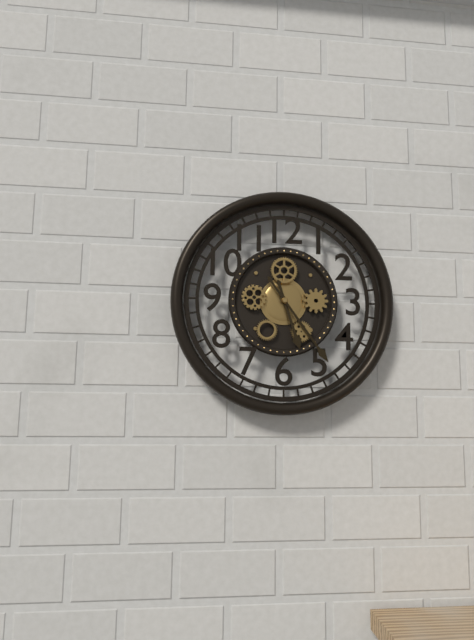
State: 5 h 24 min
